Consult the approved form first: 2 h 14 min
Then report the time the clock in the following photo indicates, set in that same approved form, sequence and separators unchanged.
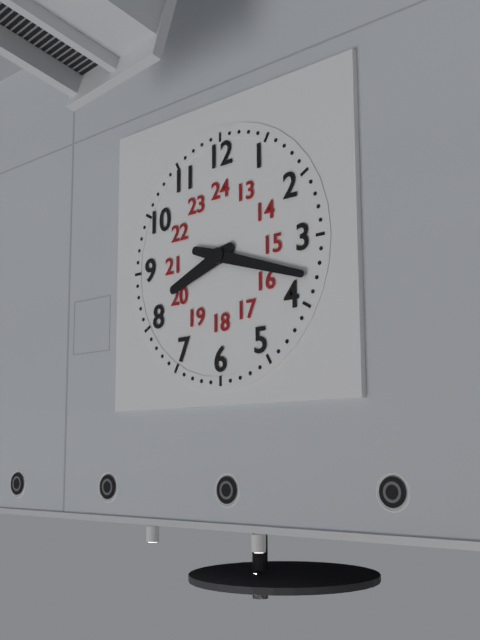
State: 8 h 18 min
